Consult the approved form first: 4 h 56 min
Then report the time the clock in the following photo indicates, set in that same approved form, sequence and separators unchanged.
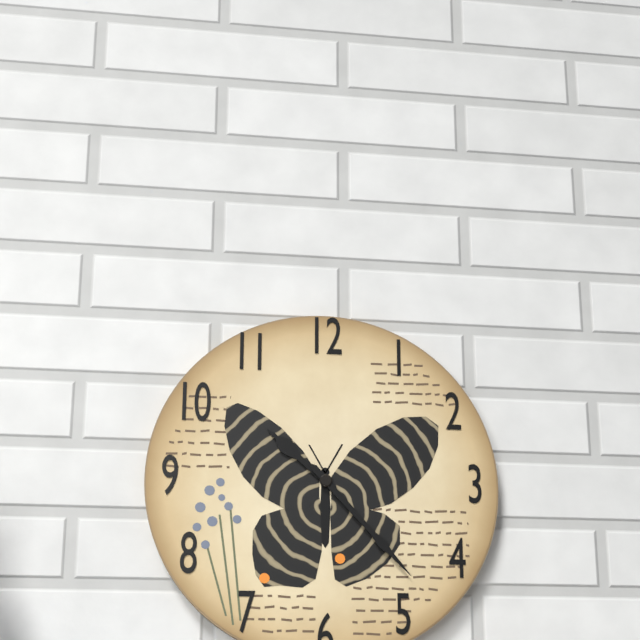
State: 10 h 23 min
